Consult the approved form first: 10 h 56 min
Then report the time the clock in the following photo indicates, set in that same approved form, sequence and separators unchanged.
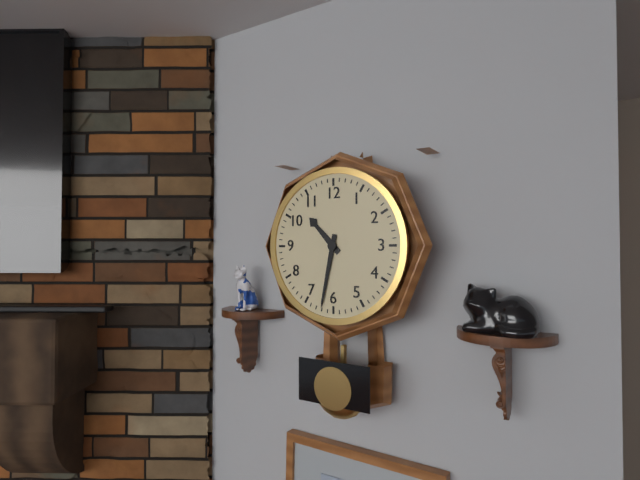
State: 10 h 32 min
